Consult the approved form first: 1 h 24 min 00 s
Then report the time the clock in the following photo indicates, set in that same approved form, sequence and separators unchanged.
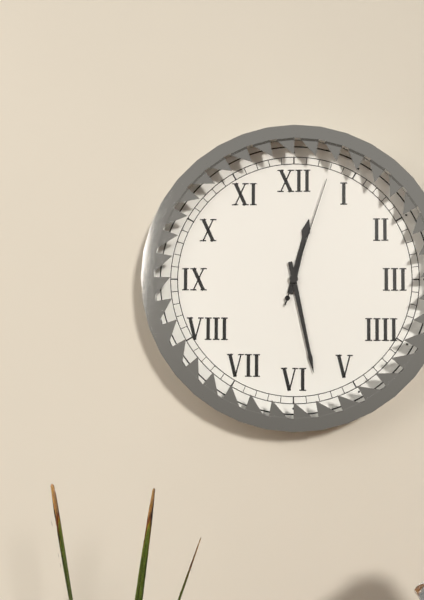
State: 12 h 28 min 03 s
